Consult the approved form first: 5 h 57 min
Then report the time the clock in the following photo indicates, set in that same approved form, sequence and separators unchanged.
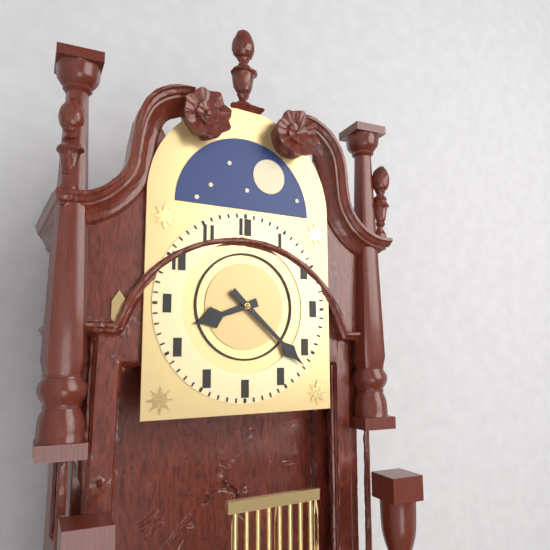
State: 8 h 22 min
